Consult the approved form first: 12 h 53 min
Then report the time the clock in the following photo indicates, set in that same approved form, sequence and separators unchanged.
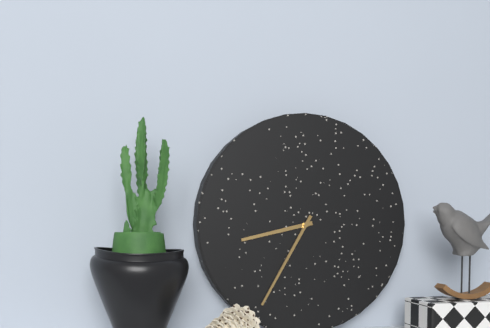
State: 8 h 35 min
